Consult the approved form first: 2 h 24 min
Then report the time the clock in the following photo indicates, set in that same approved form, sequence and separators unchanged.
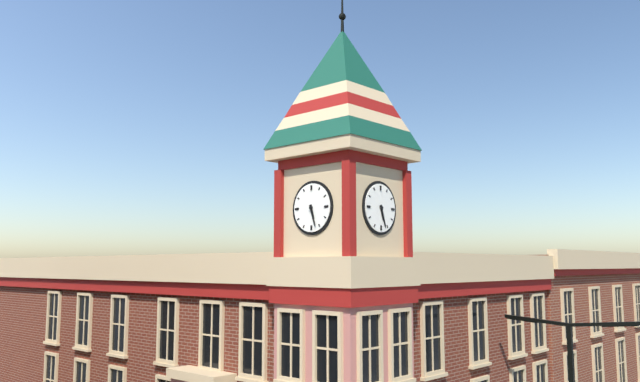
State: 5 h 27 min
